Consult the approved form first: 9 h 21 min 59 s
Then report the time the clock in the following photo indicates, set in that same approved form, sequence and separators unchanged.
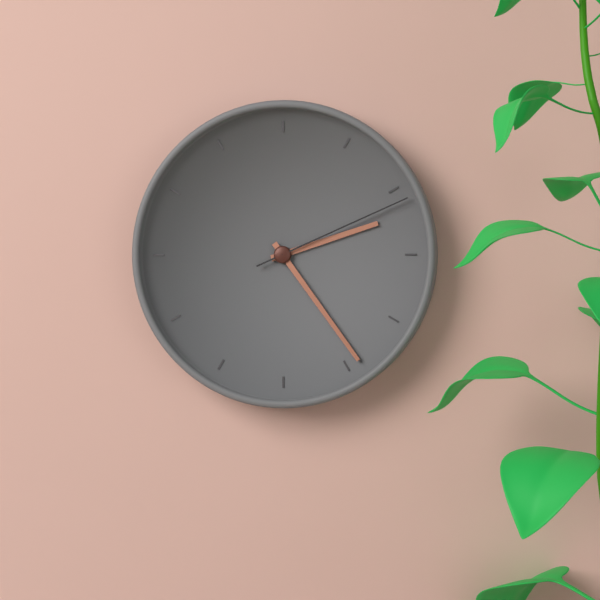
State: 2 h 24 min 11 s
